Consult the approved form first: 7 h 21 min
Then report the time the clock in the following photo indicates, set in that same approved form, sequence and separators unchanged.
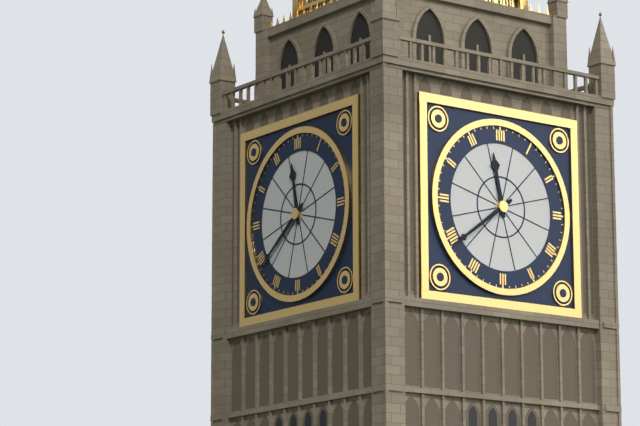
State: 11 h 39 min
